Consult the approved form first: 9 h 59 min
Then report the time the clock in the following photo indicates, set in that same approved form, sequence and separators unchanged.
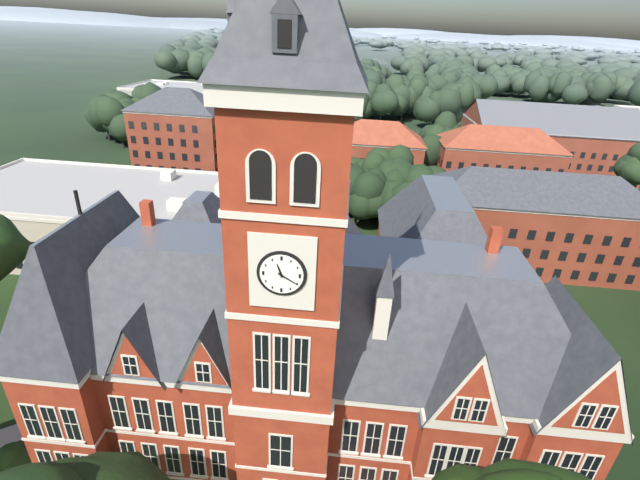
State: 11 h 20 min
